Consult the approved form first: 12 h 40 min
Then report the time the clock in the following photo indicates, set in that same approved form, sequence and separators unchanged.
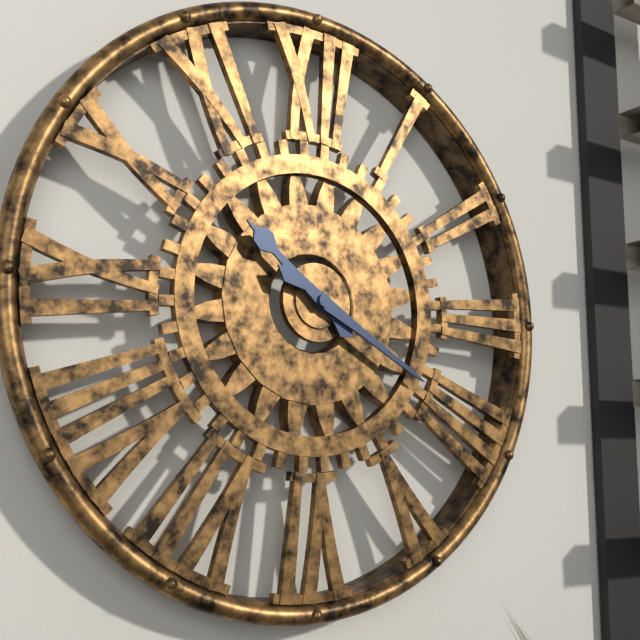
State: 10 h 20 min
